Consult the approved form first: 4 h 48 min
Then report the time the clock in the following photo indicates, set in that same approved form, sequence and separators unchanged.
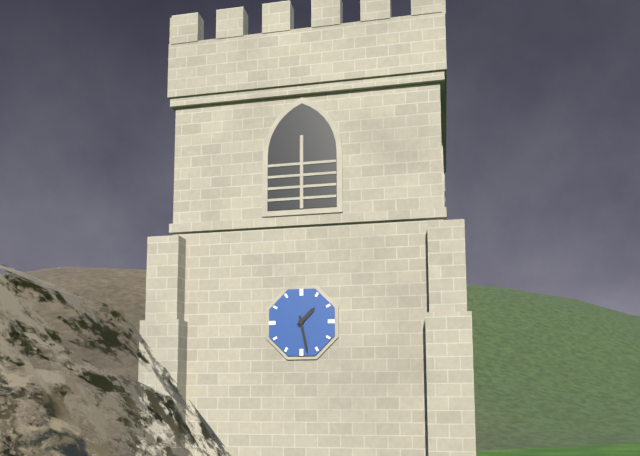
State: 1 h 28 min
